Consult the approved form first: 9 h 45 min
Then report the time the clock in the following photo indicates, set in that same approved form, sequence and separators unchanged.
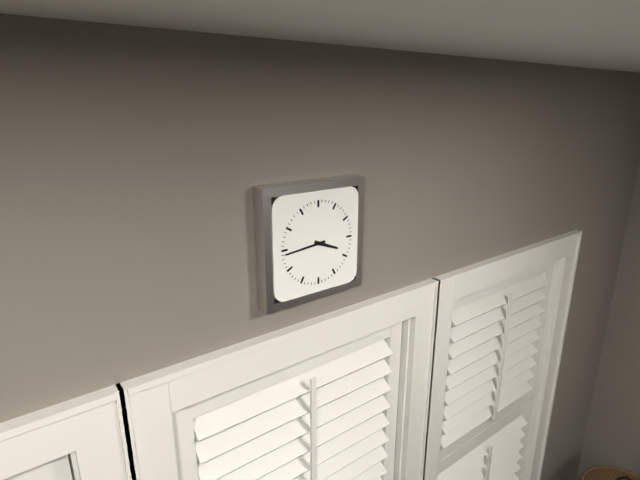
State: 3 h 44 min
